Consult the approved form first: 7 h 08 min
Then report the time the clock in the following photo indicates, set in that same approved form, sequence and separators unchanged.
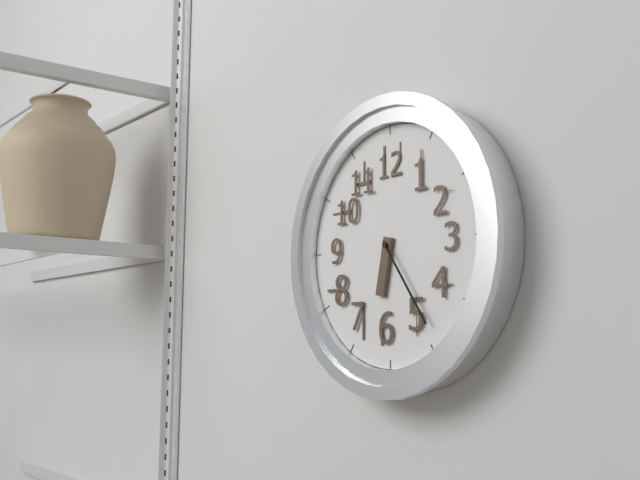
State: 6 h 24 min
